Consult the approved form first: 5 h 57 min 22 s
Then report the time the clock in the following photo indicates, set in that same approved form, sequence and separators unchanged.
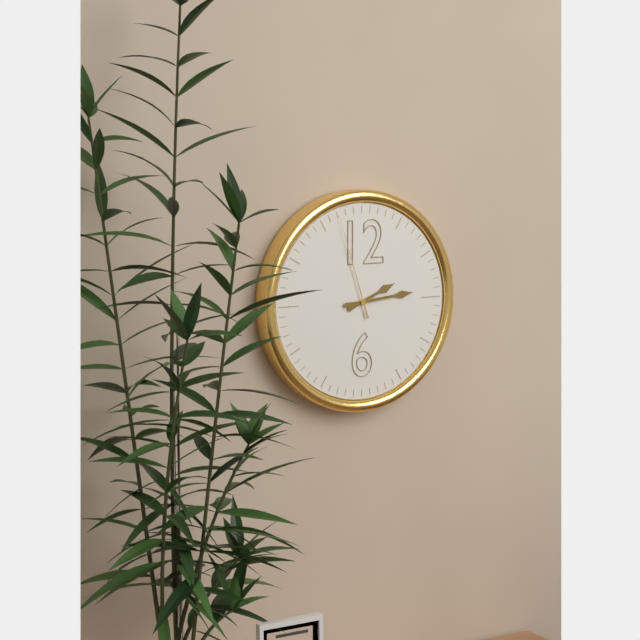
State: 2 h 14 min 57 s
